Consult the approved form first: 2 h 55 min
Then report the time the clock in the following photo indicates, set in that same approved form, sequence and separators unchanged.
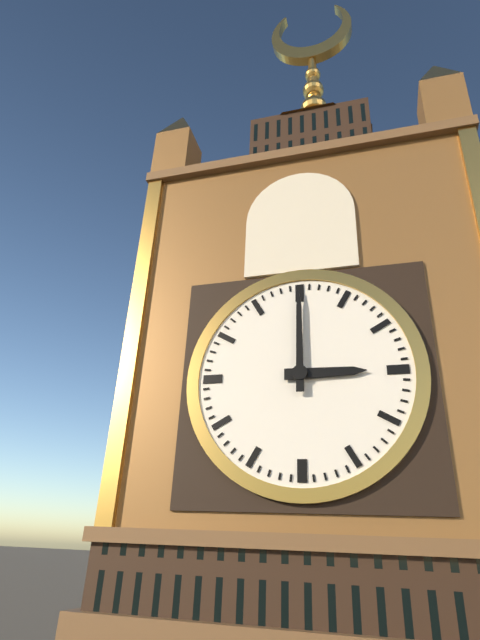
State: 3 h 00 min
